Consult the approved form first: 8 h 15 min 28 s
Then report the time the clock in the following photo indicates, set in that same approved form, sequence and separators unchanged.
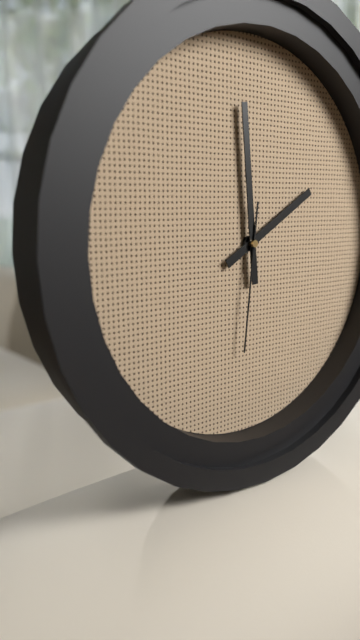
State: 1 h 59 min 31 s
